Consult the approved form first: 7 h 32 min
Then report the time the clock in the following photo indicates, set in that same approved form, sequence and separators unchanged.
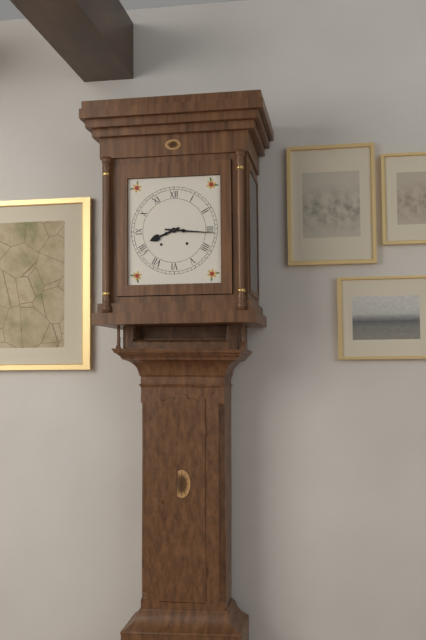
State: 8 h 16 min
